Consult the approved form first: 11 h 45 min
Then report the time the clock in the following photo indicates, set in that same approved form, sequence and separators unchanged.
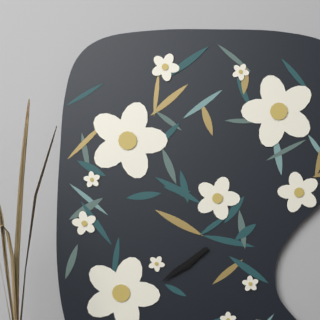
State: 7 h 39 min
